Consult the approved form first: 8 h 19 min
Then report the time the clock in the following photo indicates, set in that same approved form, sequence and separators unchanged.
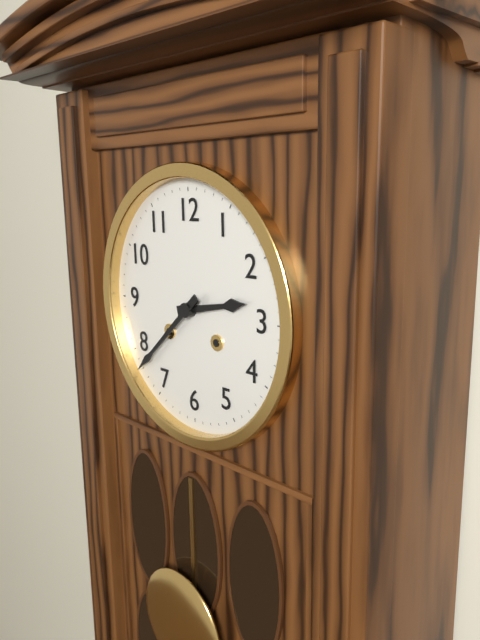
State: 2 h 38 min
